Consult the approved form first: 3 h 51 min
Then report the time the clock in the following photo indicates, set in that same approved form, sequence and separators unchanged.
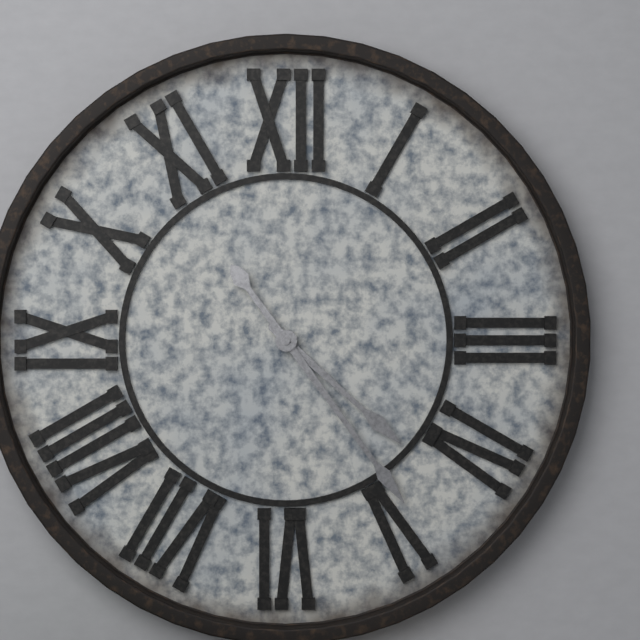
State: 4 h 24 min
